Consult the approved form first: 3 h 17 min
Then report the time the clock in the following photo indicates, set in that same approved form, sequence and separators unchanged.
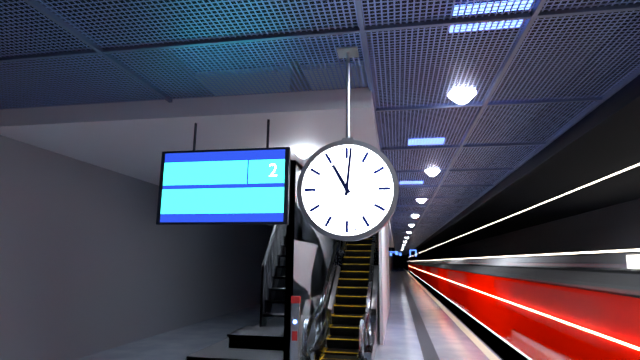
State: 11 h 01 min
